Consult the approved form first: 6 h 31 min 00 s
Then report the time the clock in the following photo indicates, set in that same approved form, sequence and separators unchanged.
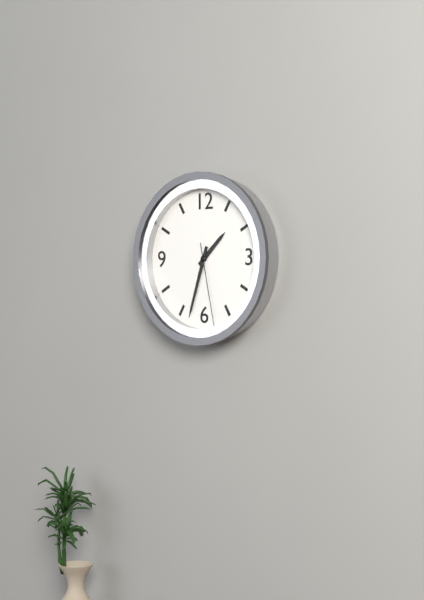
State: 1 h 33 min 28 s
